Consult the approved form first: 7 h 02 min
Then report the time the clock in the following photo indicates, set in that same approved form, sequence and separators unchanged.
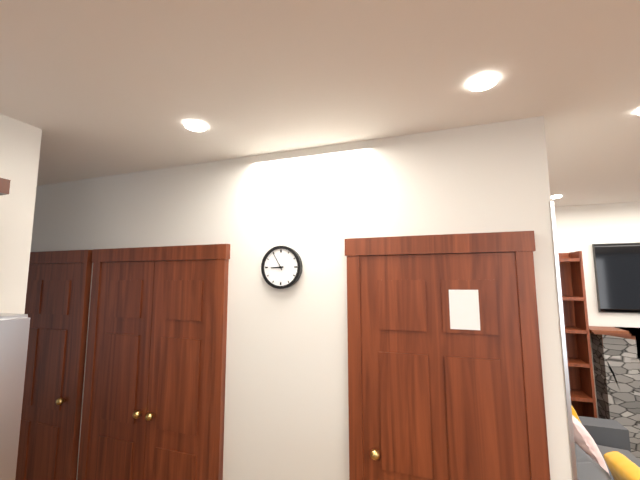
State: 8 h 55 min
